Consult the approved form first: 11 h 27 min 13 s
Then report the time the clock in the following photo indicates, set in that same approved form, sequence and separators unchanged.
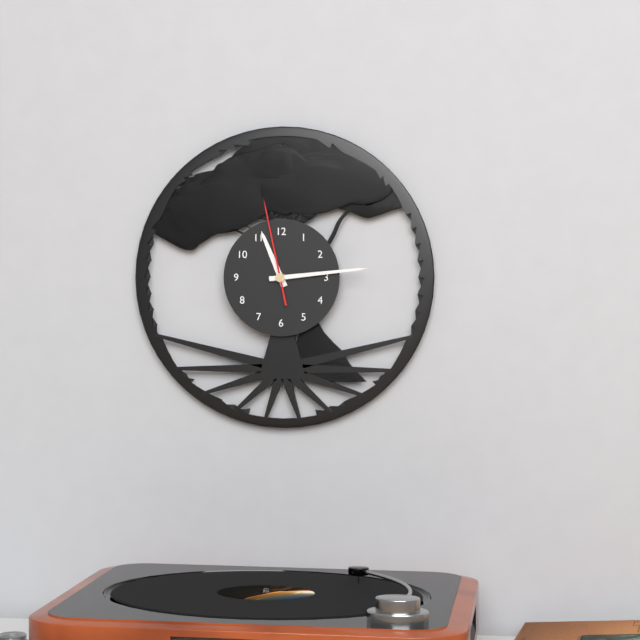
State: 11 h 14 min 58 s
